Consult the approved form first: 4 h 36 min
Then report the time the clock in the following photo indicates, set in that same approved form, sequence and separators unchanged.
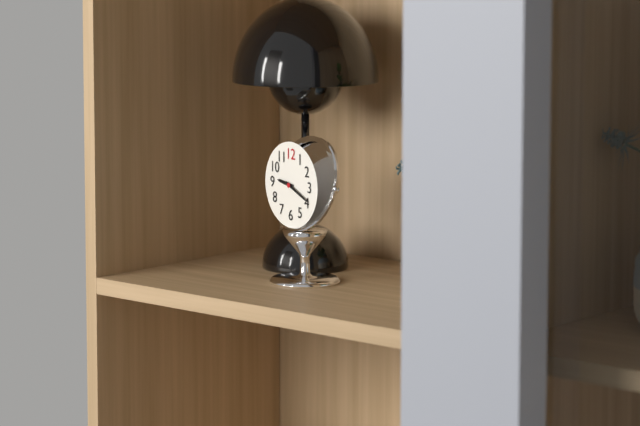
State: 9 h 19 min
